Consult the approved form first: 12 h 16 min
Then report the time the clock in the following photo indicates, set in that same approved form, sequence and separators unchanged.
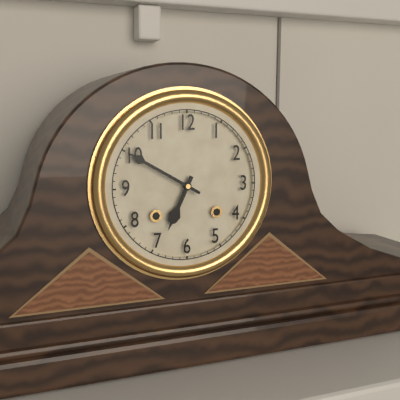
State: 6 h 50 min
